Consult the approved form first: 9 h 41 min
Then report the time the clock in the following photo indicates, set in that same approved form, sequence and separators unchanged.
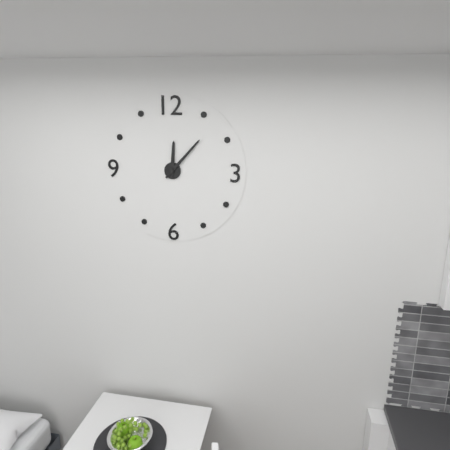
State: 12 h 07 min
